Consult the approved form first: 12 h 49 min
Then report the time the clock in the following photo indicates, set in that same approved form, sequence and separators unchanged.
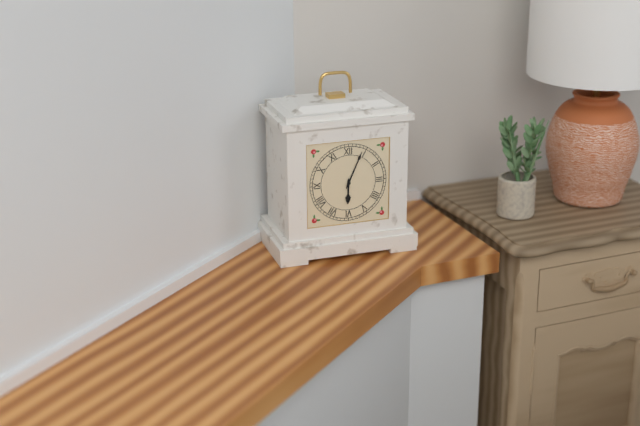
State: 6 h 04 min
